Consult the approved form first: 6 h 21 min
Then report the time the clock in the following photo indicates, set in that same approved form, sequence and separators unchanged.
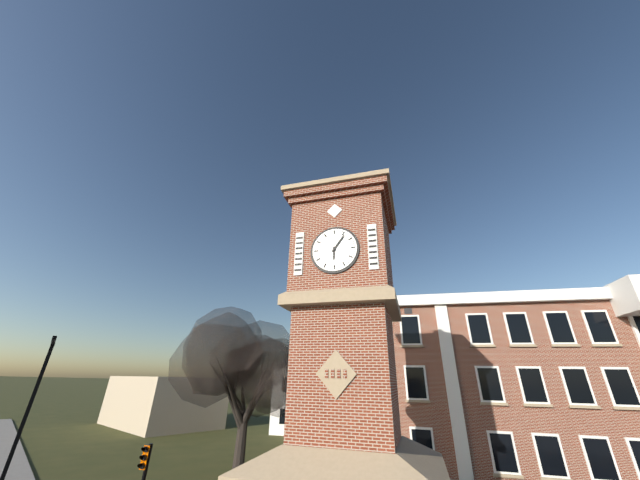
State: 6 h 06 min
